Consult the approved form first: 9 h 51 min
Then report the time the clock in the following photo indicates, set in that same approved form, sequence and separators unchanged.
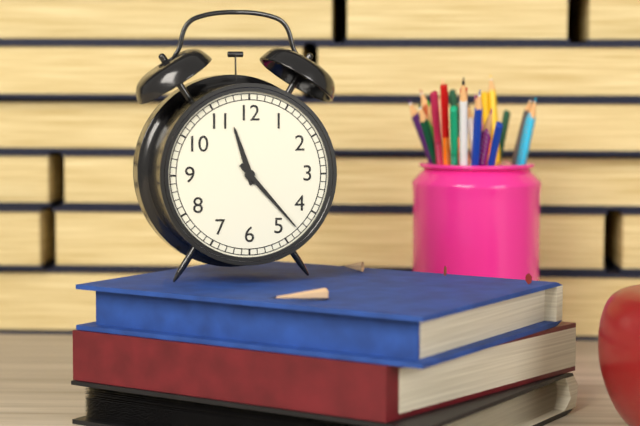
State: 11 h 23 min
